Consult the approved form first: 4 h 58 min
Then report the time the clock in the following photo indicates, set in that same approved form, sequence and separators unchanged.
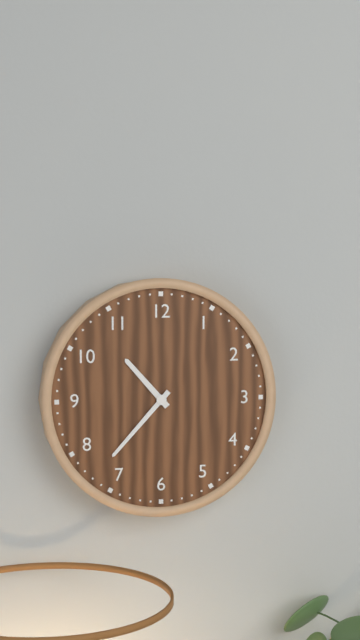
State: 10 h 37 min
